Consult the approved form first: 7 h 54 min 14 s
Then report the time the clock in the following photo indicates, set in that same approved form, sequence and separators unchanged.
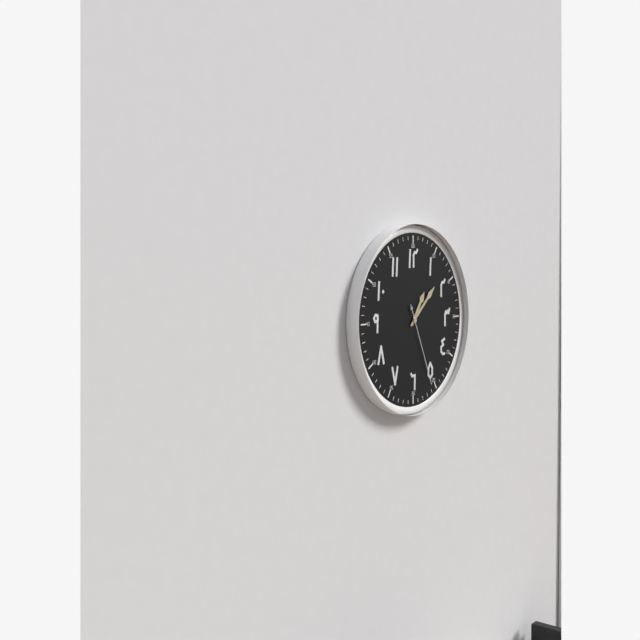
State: 1 h 08 min 26 s
